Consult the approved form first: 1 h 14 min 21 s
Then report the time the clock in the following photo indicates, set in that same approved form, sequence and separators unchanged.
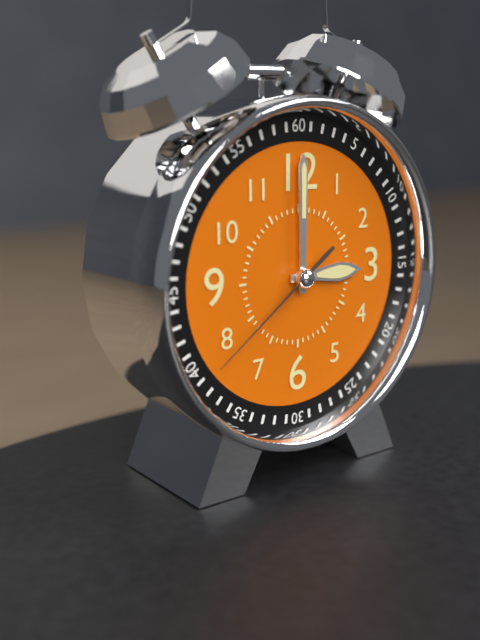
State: 3 h 00 min 39 s
